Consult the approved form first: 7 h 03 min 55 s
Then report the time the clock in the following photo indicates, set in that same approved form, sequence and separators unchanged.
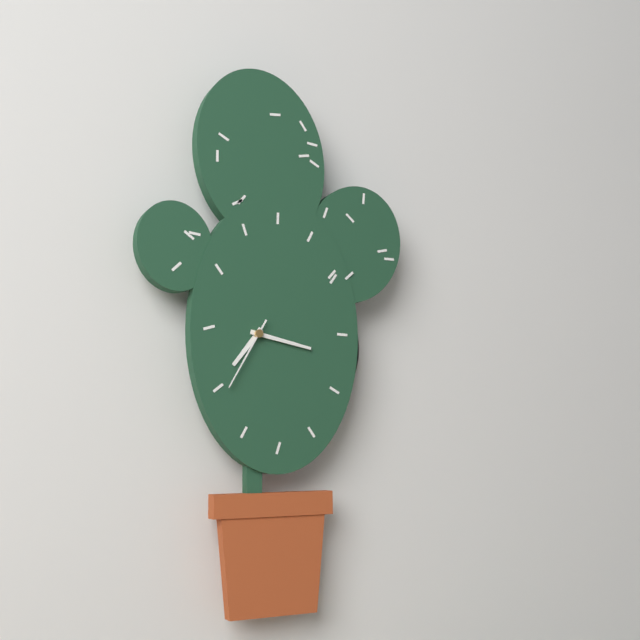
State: 7 h 17 min 35 s
